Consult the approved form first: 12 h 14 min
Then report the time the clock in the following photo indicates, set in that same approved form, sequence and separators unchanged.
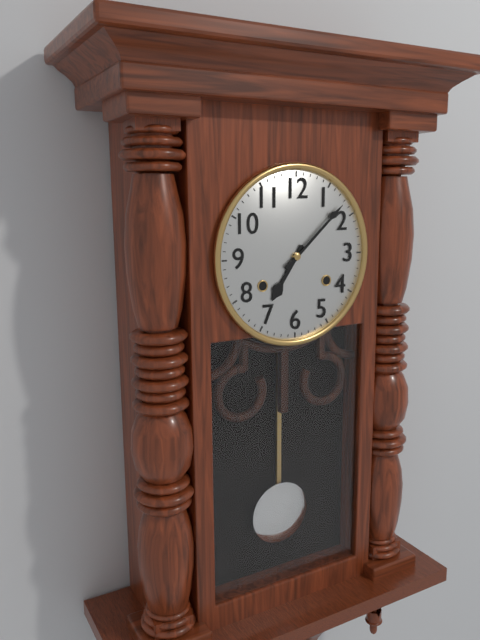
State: 7 h 08 min
